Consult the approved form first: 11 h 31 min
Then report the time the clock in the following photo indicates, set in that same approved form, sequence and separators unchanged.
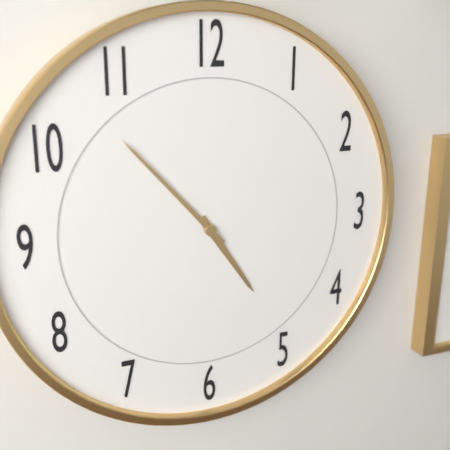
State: 4 h 53 min
